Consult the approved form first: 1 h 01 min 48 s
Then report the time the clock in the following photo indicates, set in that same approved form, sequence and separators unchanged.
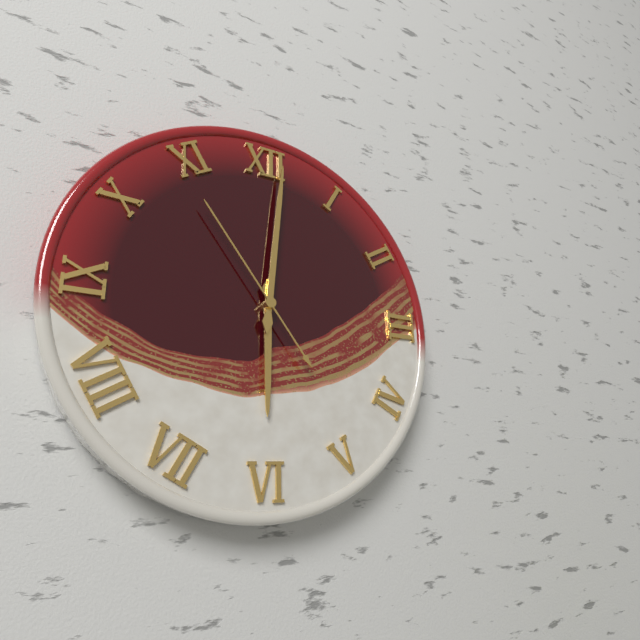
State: 6 h 01 min 54 s
